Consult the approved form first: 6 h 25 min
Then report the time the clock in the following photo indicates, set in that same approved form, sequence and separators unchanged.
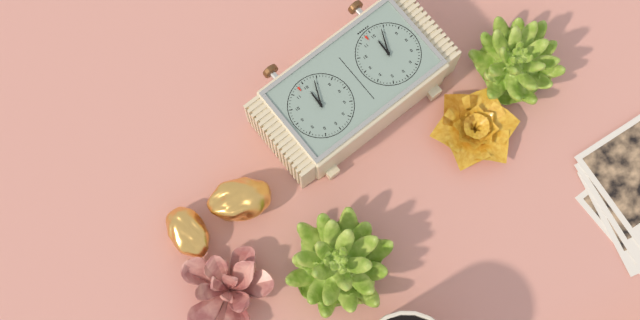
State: 12 h 04 min
